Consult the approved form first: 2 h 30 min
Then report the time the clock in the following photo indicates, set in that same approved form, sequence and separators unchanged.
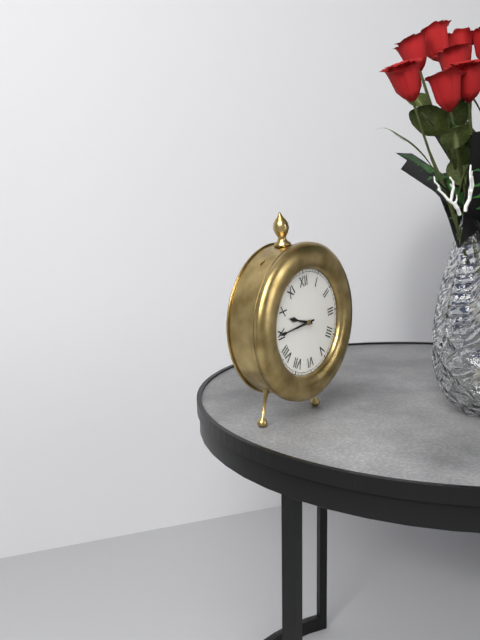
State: 9 h 45 min
